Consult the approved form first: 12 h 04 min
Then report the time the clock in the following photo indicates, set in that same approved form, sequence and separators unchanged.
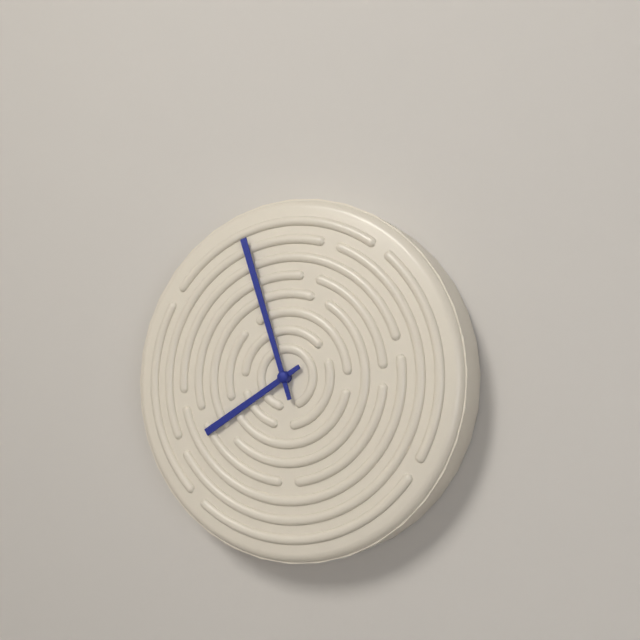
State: 7 h 57 min
